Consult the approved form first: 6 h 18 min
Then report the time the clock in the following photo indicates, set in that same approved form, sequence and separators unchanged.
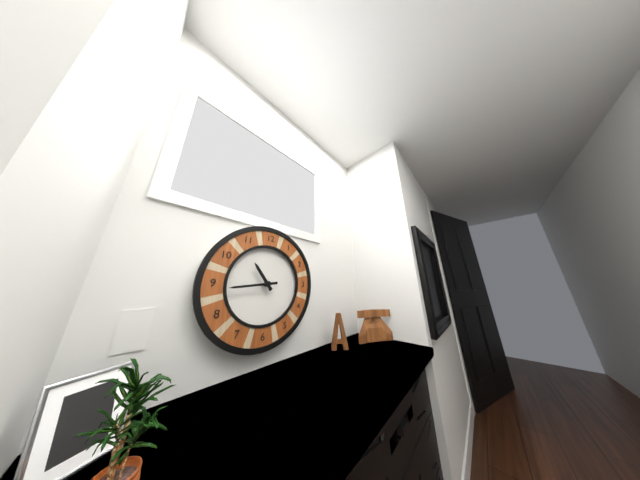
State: 10 h 44 min
